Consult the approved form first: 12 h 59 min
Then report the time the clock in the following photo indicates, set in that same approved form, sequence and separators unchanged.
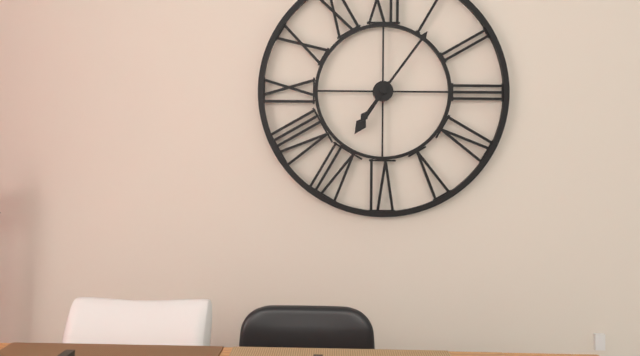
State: 7 h 06 min
